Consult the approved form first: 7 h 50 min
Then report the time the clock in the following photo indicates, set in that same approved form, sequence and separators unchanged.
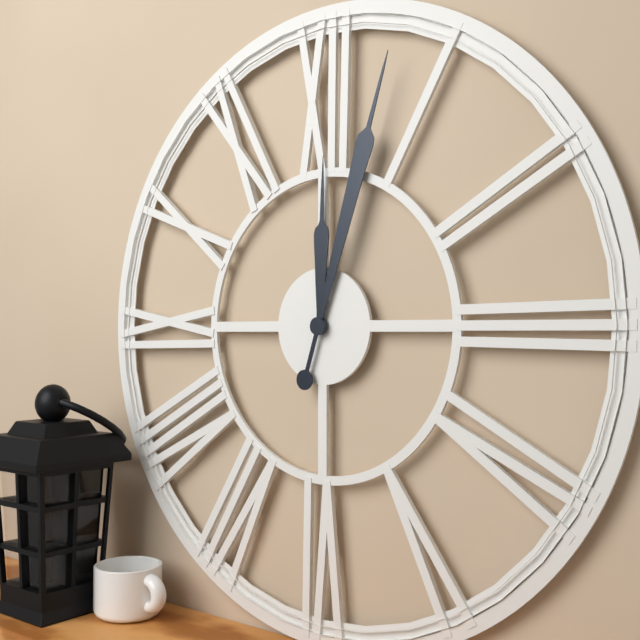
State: 12 h 03 min
